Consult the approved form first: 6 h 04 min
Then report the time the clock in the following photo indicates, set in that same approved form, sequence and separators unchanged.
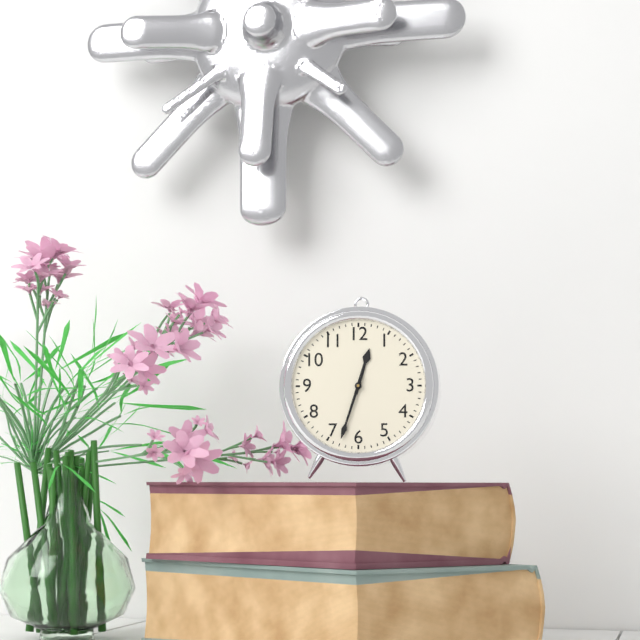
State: 12 h 33 min
